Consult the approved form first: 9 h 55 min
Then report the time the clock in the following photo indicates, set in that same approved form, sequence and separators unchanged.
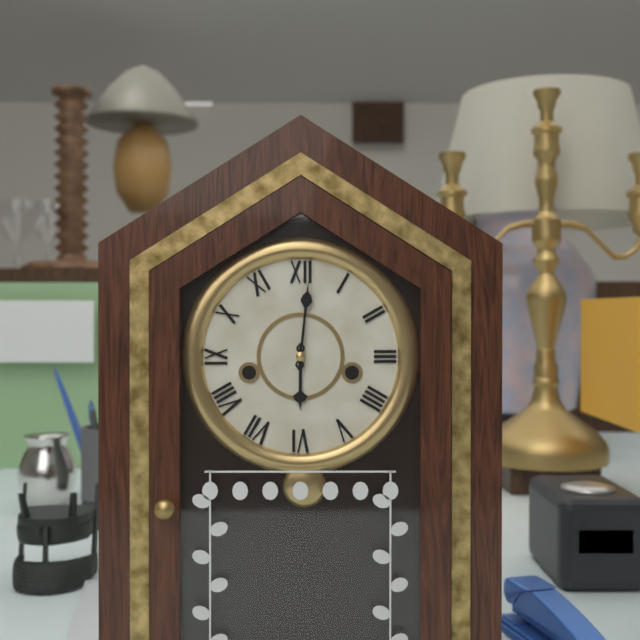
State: 6 h 01 min
